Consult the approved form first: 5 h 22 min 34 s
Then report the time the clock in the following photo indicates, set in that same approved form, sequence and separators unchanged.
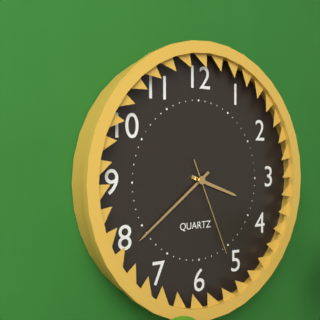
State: 3 h 39 min 26 s
